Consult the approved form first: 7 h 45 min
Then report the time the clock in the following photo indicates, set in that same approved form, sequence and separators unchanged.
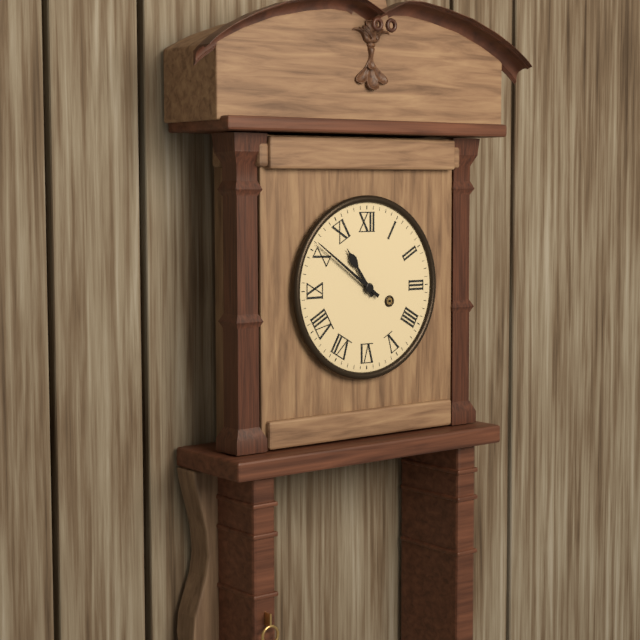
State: 10 h 51 min
